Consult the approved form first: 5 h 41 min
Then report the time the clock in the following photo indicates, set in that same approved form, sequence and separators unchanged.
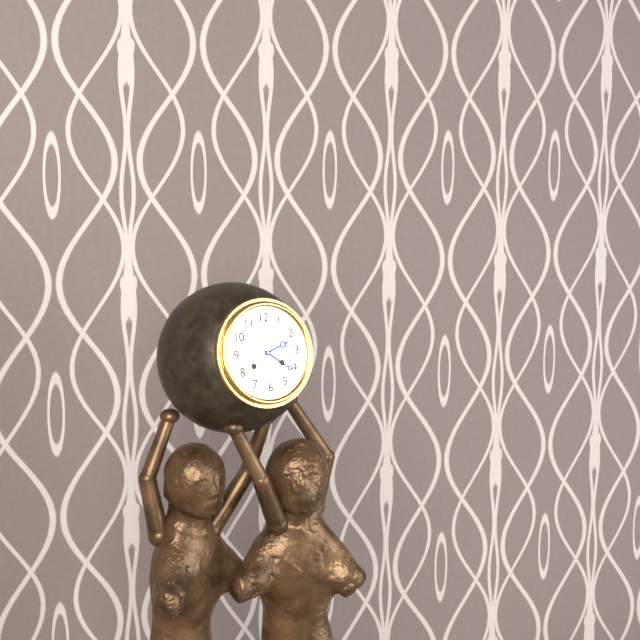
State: 2 h 21 min
